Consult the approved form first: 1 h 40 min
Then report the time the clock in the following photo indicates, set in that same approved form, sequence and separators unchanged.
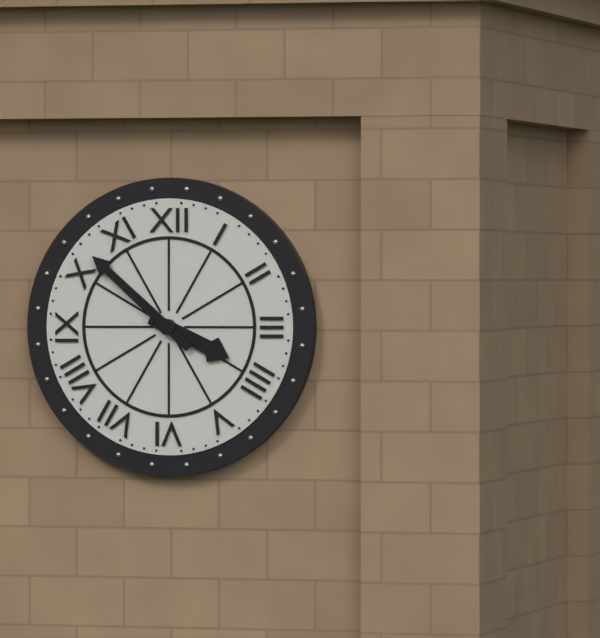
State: 3 h 52 min
